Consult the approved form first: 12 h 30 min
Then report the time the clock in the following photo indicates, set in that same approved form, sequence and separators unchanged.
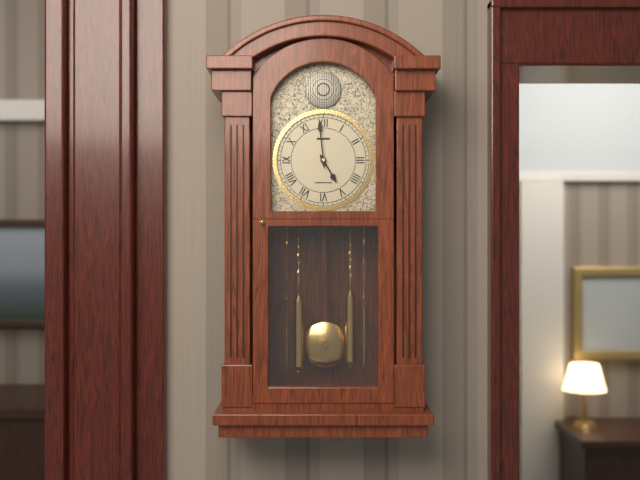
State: 4 h 59 min
